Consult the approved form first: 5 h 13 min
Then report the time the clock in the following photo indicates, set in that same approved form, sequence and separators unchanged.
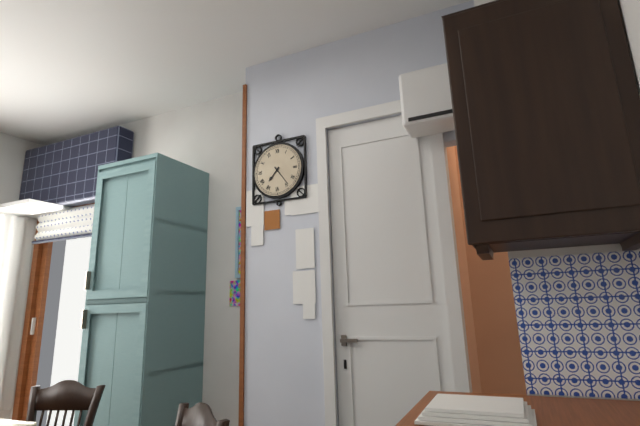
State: 7 h 24 min
